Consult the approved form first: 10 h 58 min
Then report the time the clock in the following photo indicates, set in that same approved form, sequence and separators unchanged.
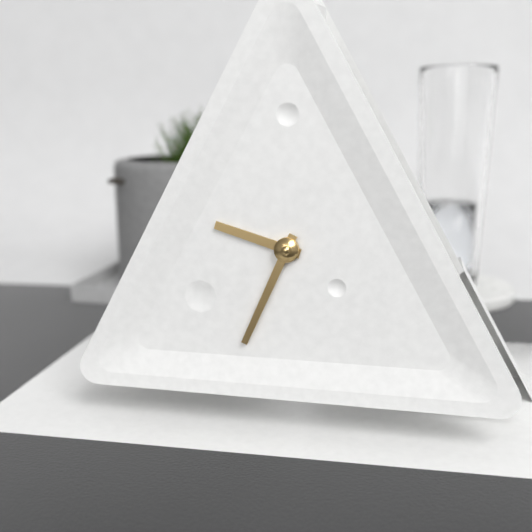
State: 9 h 34 min
